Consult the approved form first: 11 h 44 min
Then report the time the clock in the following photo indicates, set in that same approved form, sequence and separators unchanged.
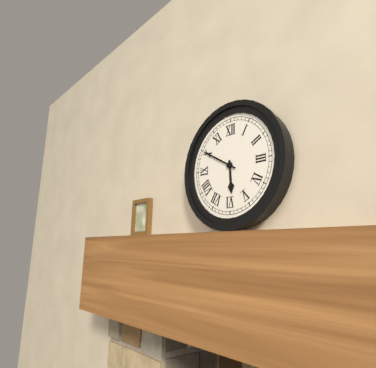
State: 5 h 50 min
